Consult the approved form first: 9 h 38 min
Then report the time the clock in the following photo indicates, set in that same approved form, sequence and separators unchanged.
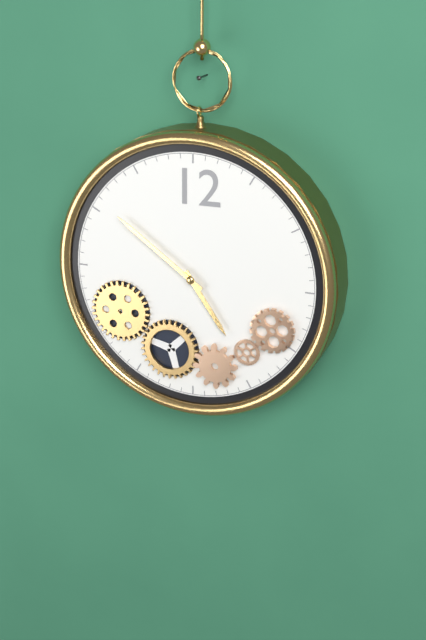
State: 4 h 51 min
